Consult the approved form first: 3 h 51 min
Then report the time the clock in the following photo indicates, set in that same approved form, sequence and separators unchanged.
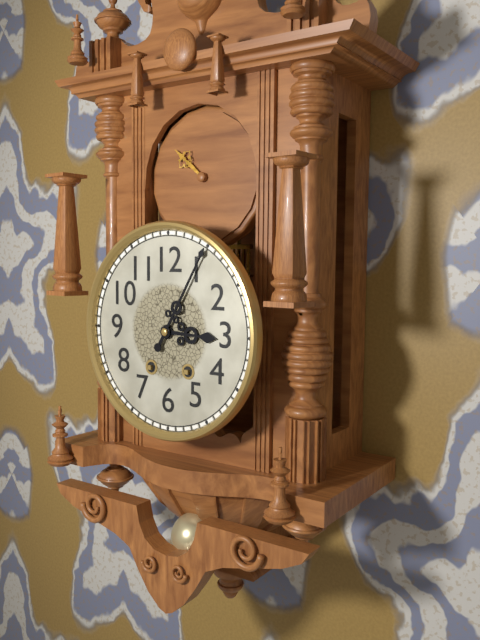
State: 3 h 05 min
